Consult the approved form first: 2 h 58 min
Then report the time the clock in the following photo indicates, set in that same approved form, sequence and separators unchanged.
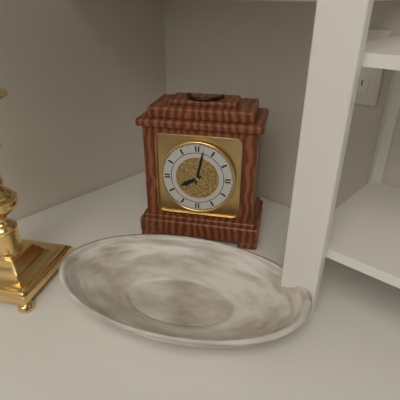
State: 8 h 02 min
